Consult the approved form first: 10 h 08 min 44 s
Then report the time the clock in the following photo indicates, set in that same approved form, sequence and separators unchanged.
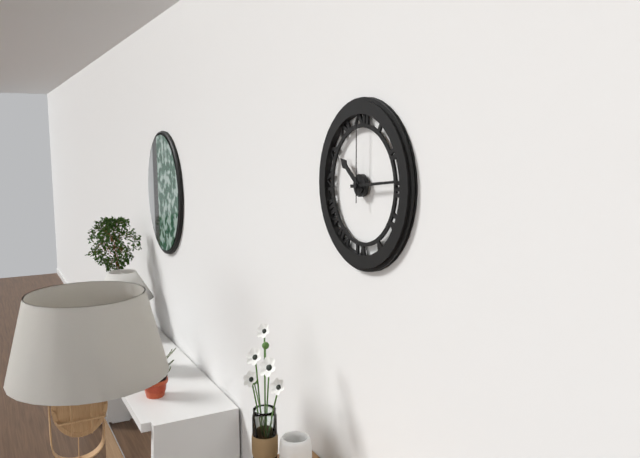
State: 10 h 14 min 00 s
